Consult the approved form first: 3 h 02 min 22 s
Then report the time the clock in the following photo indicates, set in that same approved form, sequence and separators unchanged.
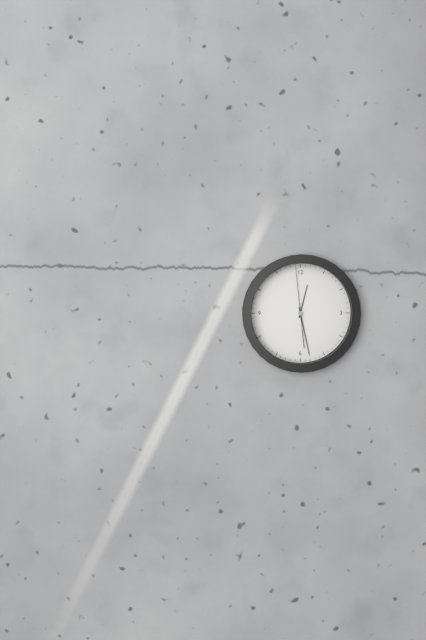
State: 12 h 28 min 59 s
